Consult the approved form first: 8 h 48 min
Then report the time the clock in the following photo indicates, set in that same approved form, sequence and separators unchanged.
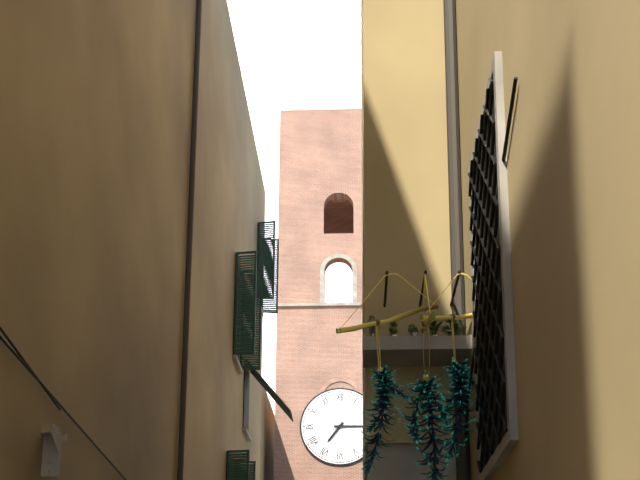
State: 7 h 15 min
